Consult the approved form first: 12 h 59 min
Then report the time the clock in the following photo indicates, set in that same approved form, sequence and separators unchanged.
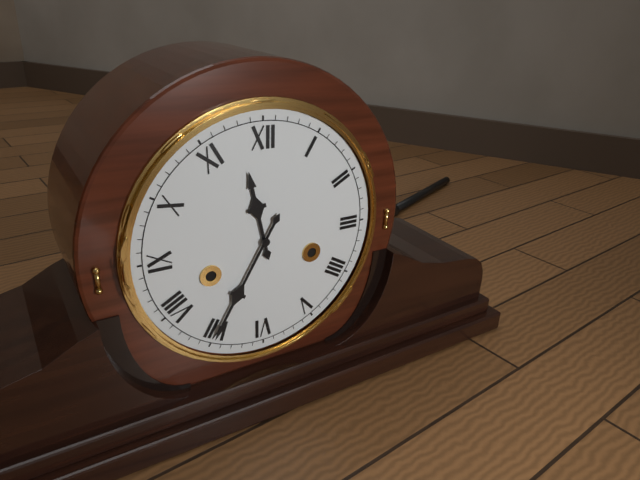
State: 11 h 35 min
